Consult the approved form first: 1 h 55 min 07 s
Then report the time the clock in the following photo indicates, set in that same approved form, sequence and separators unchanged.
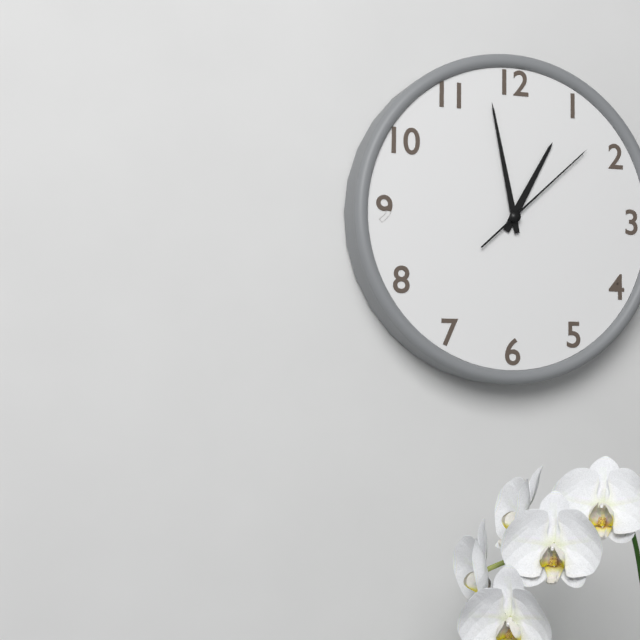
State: 12 h 58 min 08 s
